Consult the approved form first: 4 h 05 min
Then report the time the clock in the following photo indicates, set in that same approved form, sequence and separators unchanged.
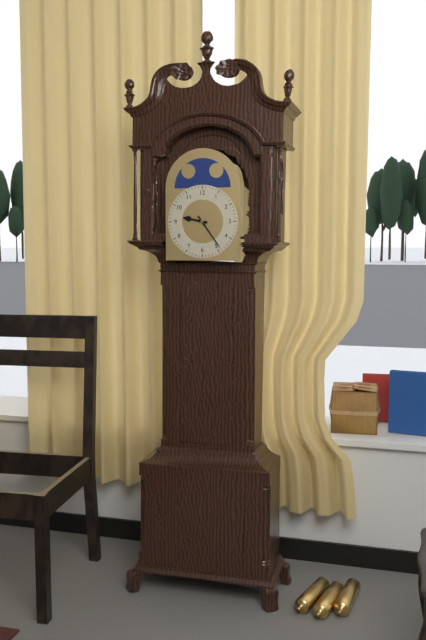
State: 9 h 24 min
